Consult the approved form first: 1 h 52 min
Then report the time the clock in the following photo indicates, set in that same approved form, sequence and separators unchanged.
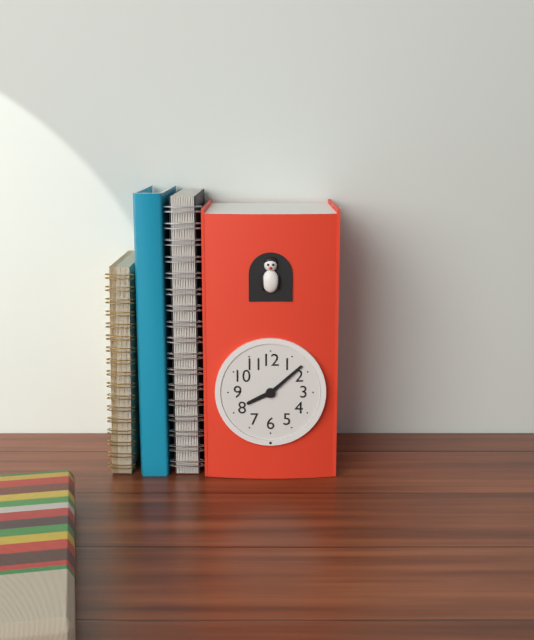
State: 8 h 08 min
